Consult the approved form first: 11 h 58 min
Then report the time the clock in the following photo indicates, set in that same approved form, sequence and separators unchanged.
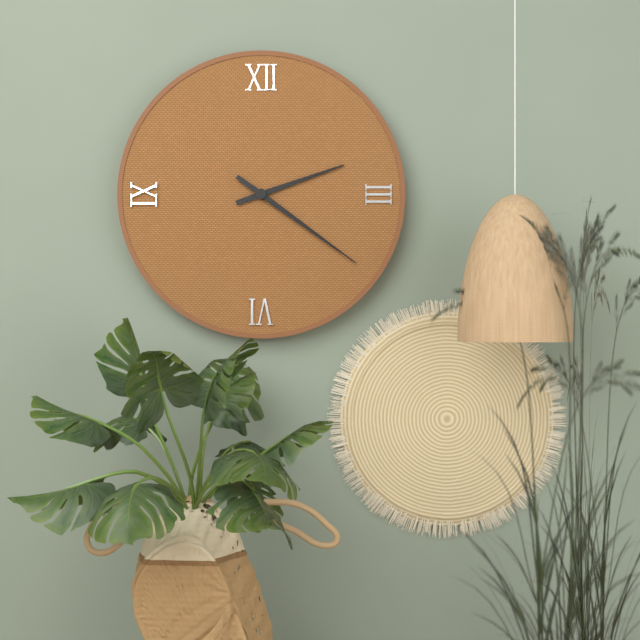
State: 2 h 21 min
